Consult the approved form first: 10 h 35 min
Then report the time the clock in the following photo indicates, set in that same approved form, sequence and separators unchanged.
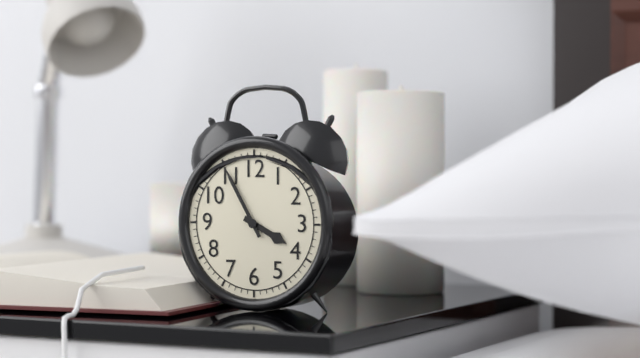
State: 3 h 55 min
